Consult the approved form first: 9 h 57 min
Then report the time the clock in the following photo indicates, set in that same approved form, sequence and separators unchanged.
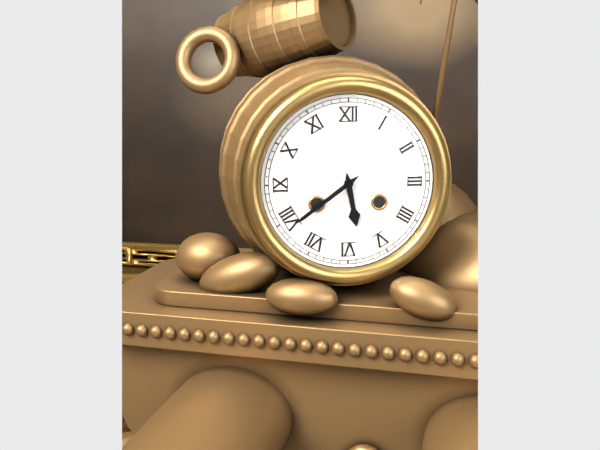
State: 5 h 39 min
